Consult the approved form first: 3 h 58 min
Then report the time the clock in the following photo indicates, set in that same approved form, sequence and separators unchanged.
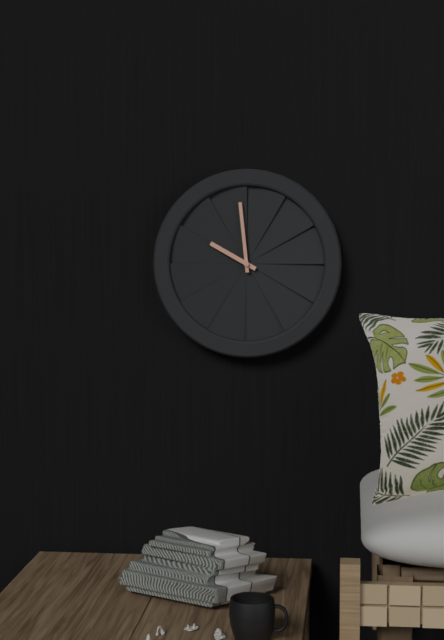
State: 9 h 59 min
